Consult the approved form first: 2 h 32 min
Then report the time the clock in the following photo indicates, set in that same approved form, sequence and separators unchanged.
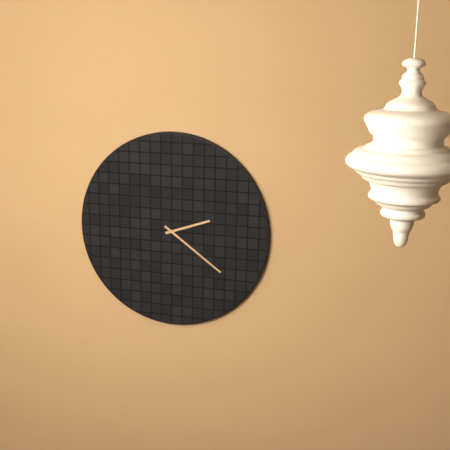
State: 2 h 21 min
